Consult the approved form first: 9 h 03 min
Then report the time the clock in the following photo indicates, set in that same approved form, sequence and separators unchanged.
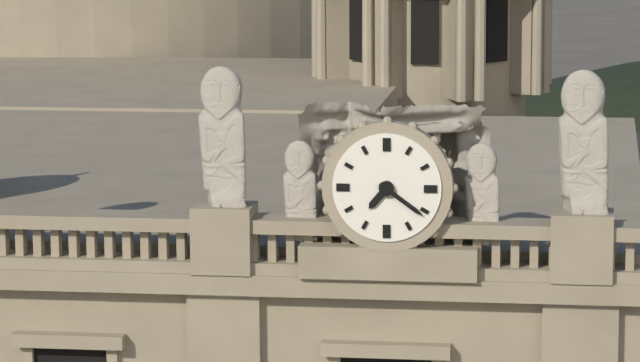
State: 7 h 21 min
